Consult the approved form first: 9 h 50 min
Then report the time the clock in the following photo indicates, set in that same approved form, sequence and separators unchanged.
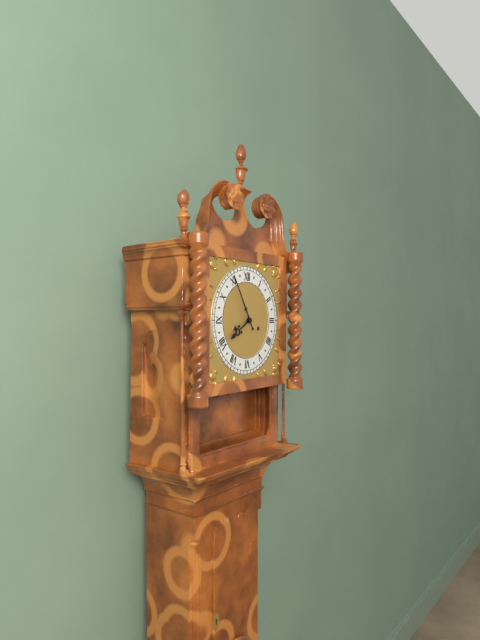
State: 7 h 55 min
